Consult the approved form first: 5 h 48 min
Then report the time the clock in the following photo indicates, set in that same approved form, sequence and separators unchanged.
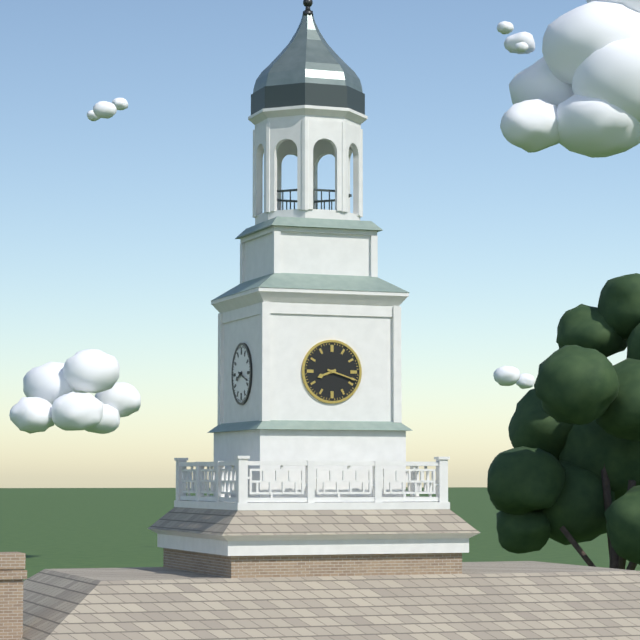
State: 8 h 18 min
